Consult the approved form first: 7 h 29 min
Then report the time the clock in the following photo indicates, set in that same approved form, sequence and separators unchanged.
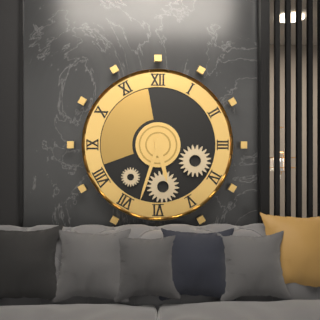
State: 5 h 33 min
